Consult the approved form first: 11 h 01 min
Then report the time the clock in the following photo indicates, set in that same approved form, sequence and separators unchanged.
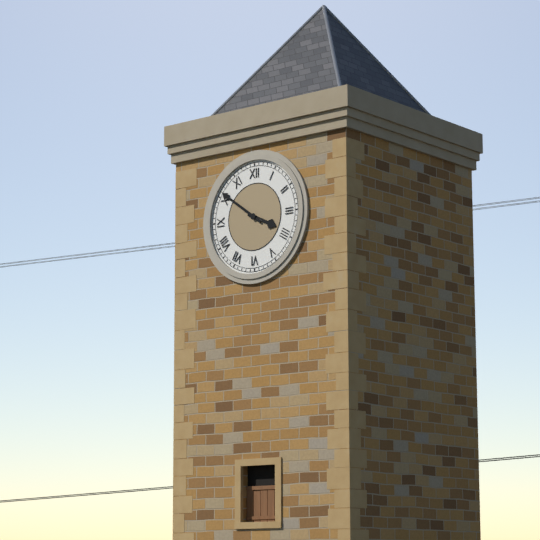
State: 3 h 51 min
